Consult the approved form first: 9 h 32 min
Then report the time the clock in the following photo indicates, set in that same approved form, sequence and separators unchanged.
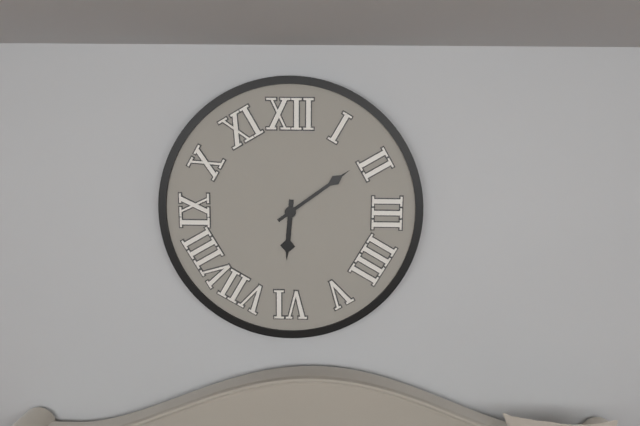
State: 6 h 09 min
